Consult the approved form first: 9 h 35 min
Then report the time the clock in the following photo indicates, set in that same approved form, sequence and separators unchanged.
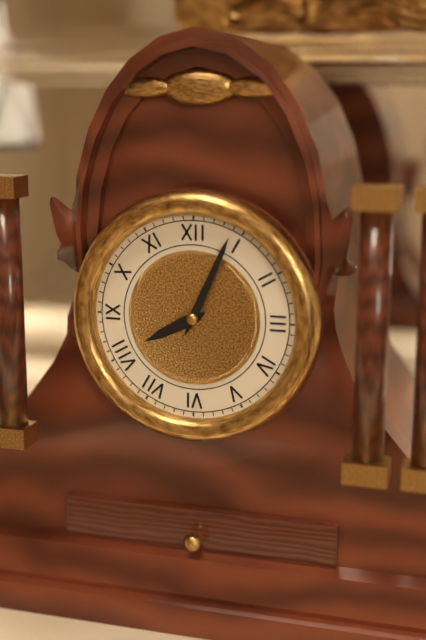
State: 8 h 04 min
